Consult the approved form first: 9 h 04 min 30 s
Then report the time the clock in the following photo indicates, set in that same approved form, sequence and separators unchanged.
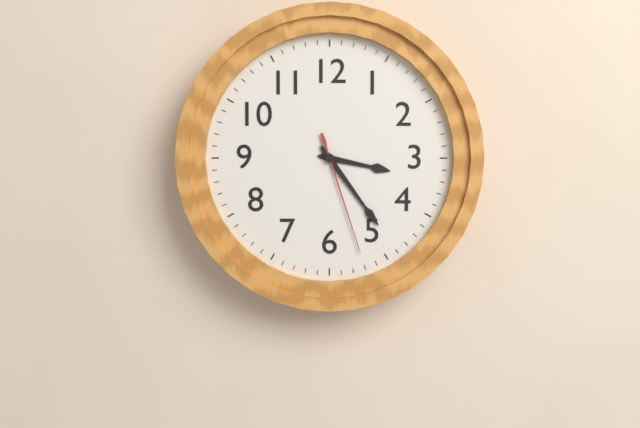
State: 3 h 24 min 27 s
